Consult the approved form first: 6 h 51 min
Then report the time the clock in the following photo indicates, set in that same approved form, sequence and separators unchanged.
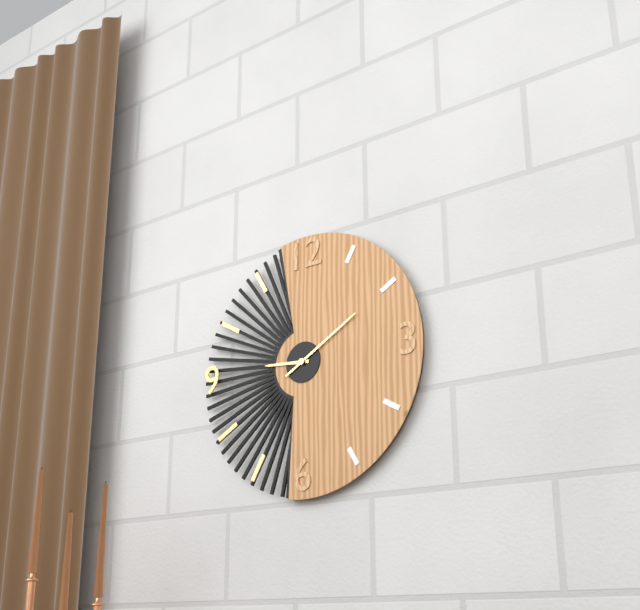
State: 9 h 10 min
